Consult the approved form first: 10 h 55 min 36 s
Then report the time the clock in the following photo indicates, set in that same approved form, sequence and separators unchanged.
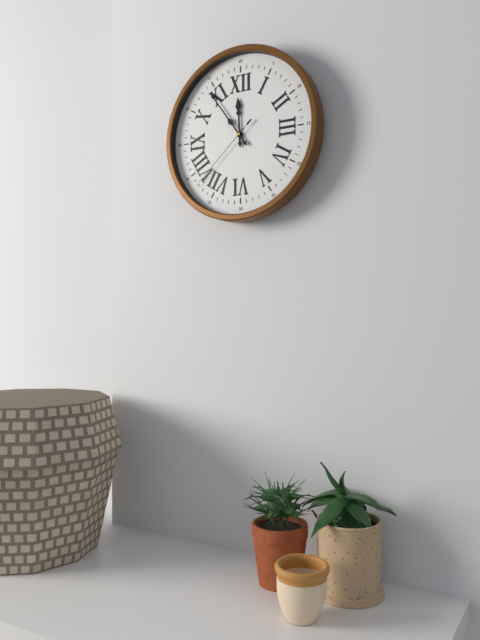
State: 11 h 54 min 38 s
